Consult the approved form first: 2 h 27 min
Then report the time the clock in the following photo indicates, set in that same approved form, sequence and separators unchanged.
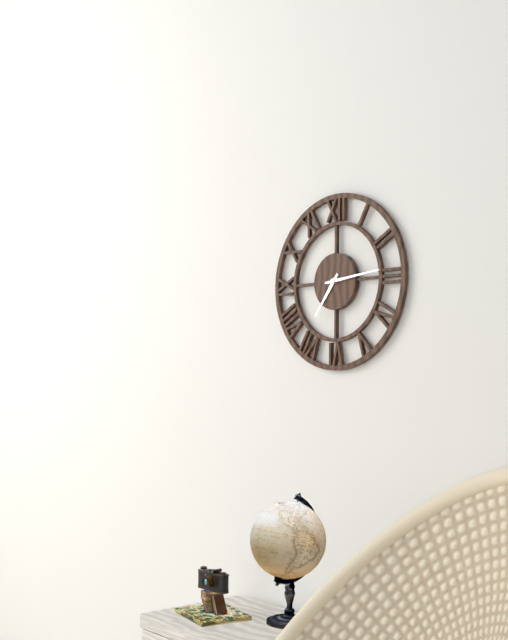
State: 7 h 14 min
